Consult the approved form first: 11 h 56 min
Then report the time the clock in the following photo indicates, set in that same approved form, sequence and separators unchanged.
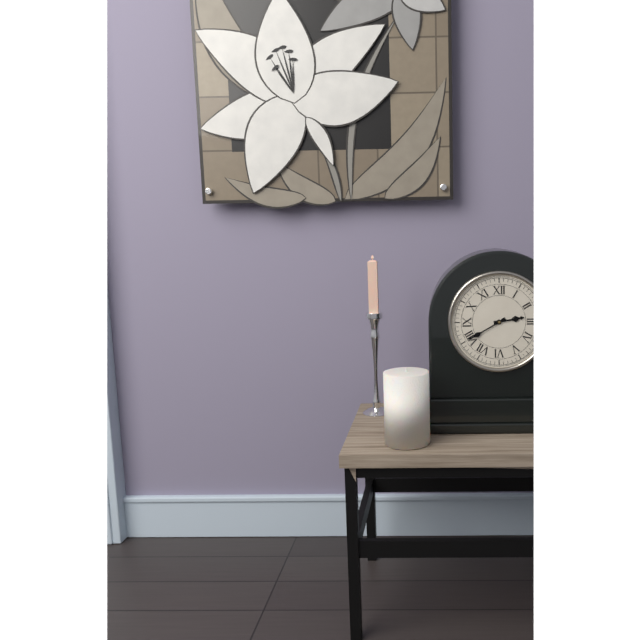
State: 2 h 40 min
